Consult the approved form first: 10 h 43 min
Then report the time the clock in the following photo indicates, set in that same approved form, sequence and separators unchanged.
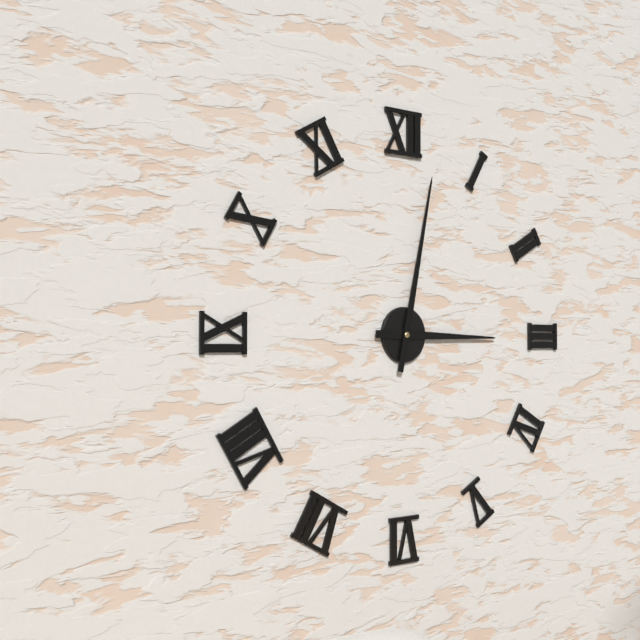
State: 3 h 02 min
